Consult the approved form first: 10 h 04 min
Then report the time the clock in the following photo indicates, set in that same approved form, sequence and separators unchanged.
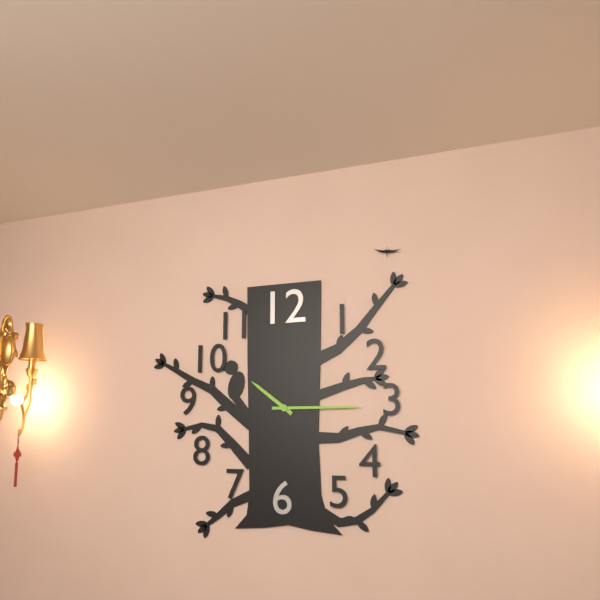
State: 10 h 15 min
